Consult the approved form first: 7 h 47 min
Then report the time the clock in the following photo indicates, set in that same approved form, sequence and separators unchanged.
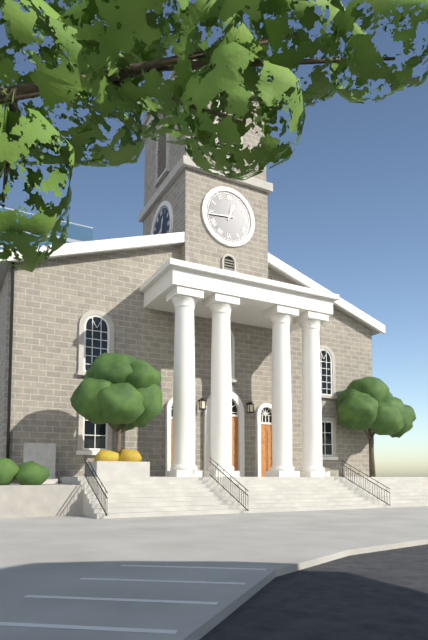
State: 12 h 44 min
